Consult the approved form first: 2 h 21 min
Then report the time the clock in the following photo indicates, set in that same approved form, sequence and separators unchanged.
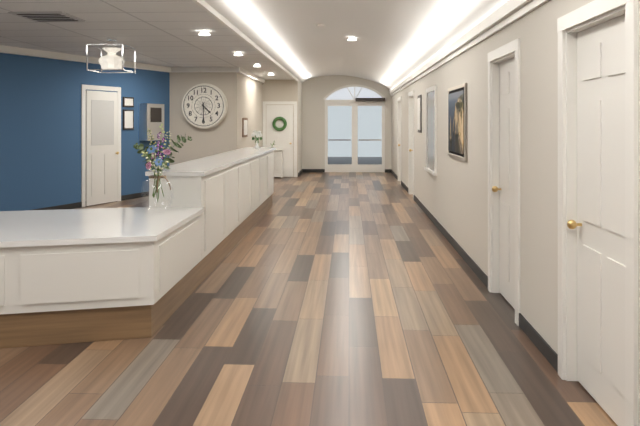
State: 4 h 30 min
